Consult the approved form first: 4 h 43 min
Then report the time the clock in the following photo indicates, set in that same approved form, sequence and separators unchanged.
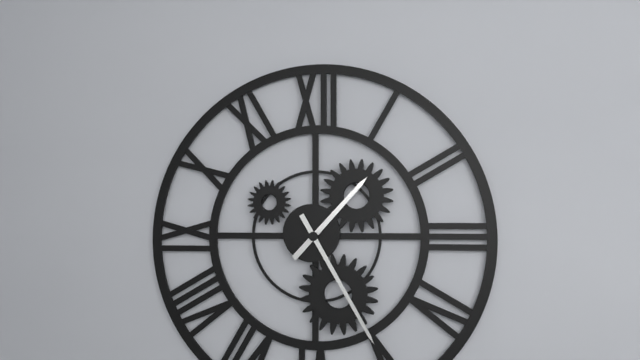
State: 1 h 25 min
